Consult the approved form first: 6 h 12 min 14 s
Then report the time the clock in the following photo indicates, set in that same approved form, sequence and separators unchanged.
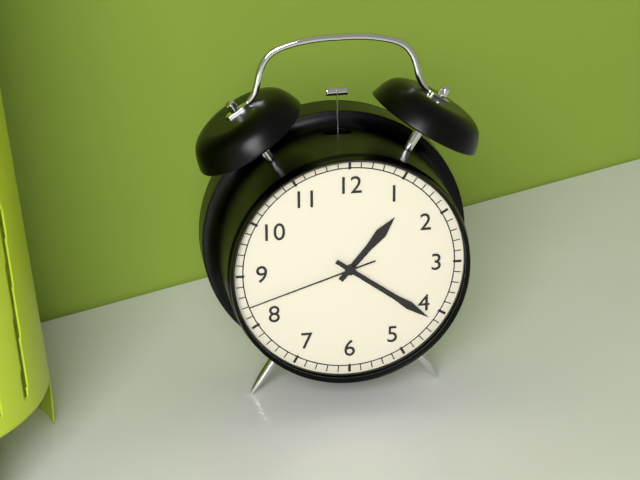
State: 1 h 21 min 42 s
